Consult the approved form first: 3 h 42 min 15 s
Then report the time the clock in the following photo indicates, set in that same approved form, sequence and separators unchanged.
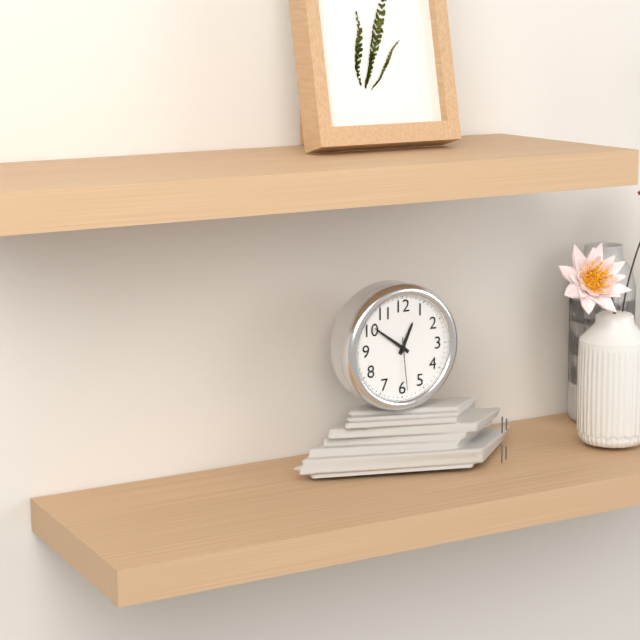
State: 12 h 51 min 29 s
